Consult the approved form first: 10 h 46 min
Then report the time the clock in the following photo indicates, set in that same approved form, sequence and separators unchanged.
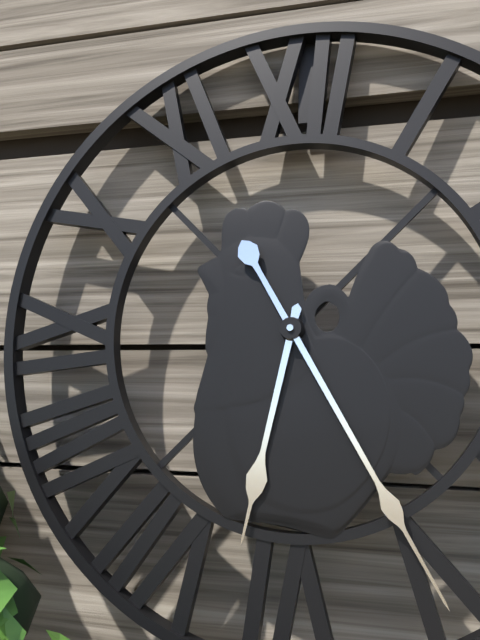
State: 6 h 25 min
